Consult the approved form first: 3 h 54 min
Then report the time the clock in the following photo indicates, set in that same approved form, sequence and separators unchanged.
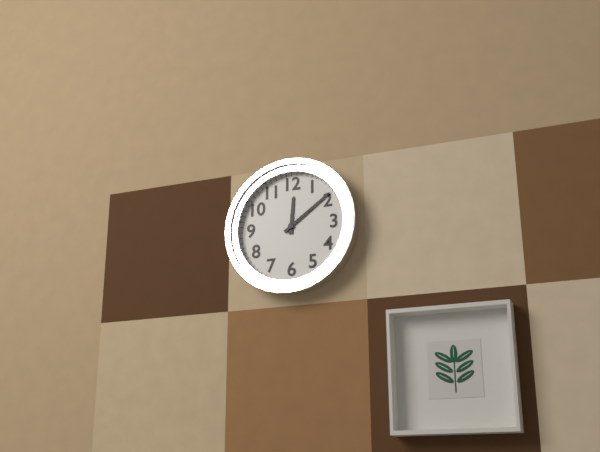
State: 12 h 09 min
